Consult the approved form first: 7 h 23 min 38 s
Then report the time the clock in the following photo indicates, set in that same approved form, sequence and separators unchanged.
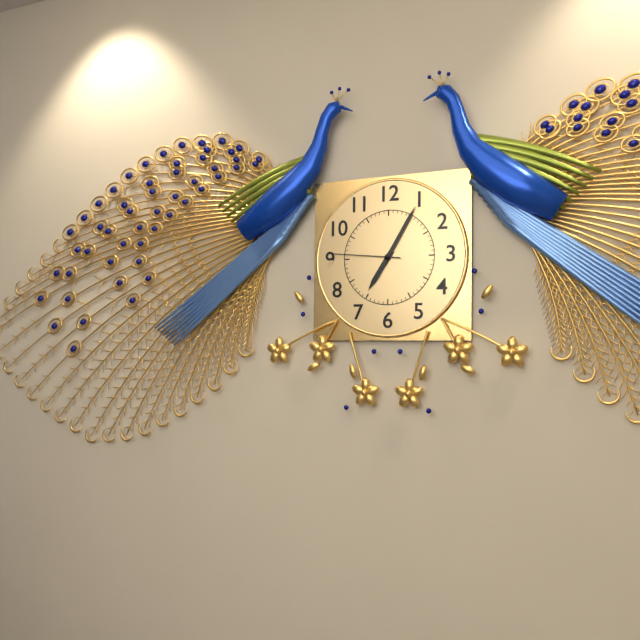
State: 7 h 05 min 46 s
